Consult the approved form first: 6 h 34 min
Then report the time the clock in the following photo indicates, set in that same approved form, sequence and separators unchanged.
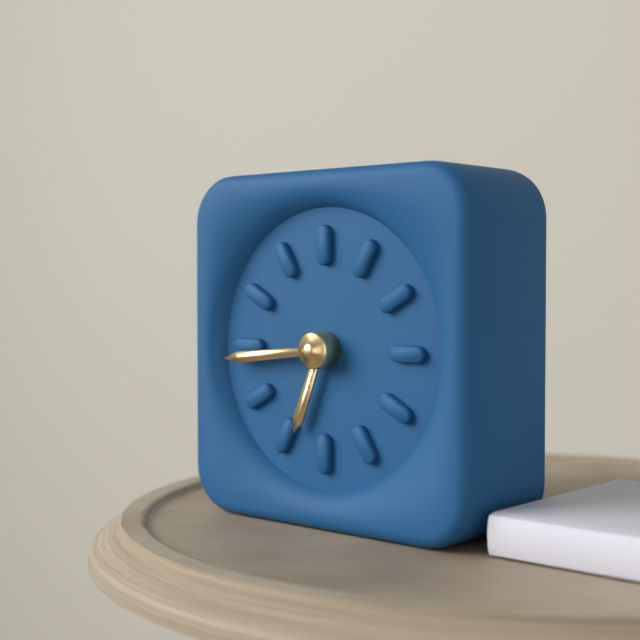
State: 6 h 44 min
